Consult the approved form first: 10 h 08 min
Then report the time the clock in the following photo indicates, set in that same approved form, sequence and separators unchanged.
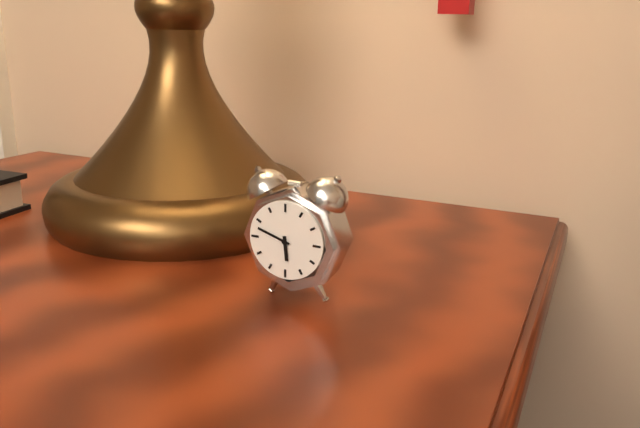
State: 5 h 48 min
